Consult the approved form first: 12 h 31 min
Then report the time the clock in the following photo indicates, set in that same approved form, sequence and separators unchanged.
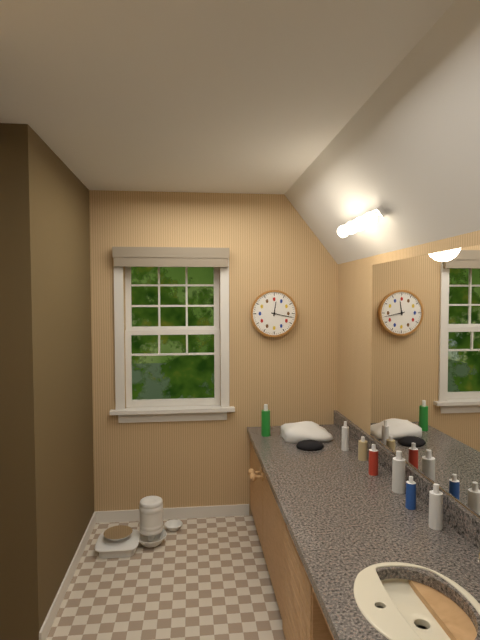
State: 12 h 17 min
